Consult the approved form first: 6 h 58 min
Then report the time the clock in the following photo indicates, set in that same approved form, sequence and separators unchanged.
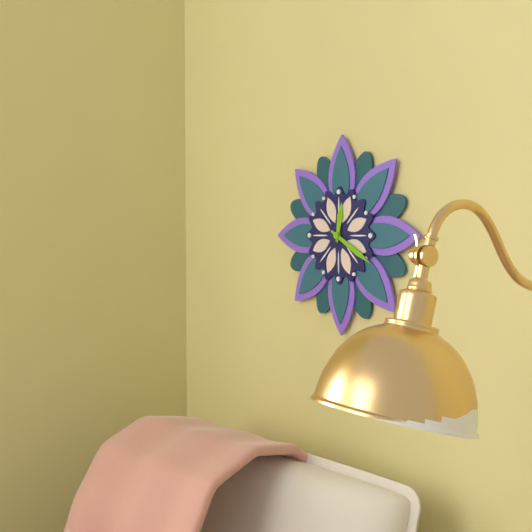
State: 12 h 20 min
